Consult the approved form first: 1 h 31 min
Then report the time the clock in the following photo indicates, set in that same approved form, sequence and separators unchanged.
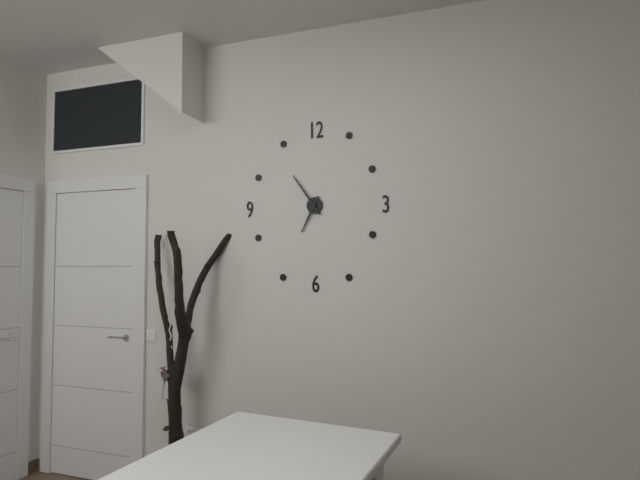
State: 6 h 54 min
